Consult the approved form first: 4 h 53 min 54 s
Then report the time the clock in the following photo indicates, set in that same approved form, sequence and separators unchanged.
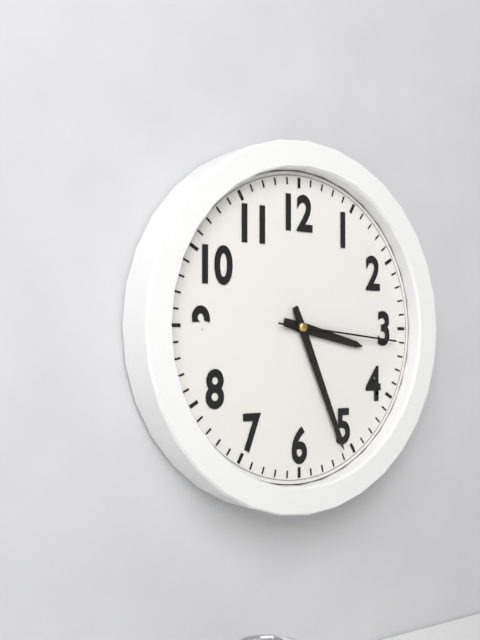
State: 3 h 26 min 16 s
